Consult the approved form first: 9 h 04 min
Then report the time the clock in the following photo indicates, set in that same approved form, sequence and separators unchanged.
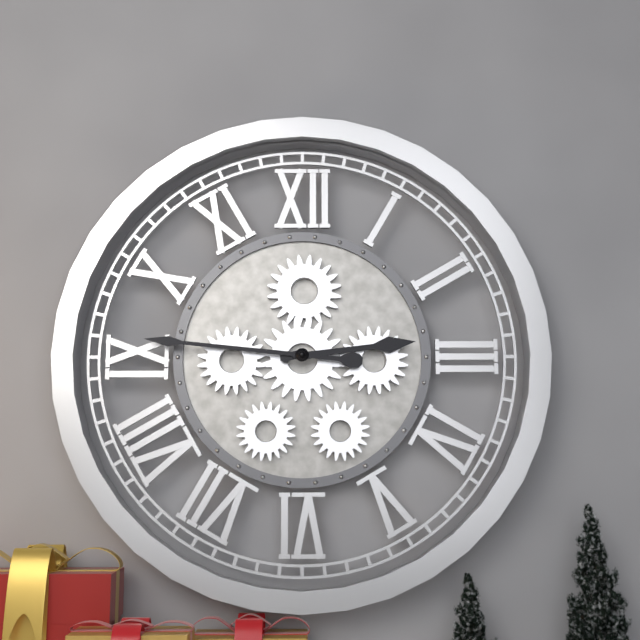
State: 2 h 46 min
